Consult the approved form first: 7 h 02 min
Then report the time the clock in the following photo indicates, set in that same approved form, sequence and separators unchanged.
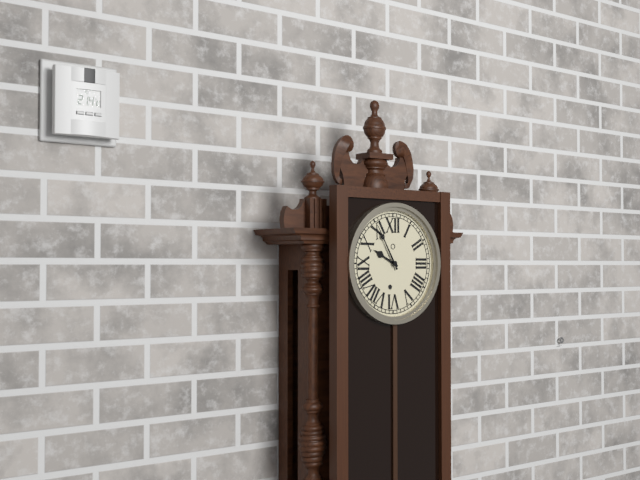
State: 9 h 55 min
